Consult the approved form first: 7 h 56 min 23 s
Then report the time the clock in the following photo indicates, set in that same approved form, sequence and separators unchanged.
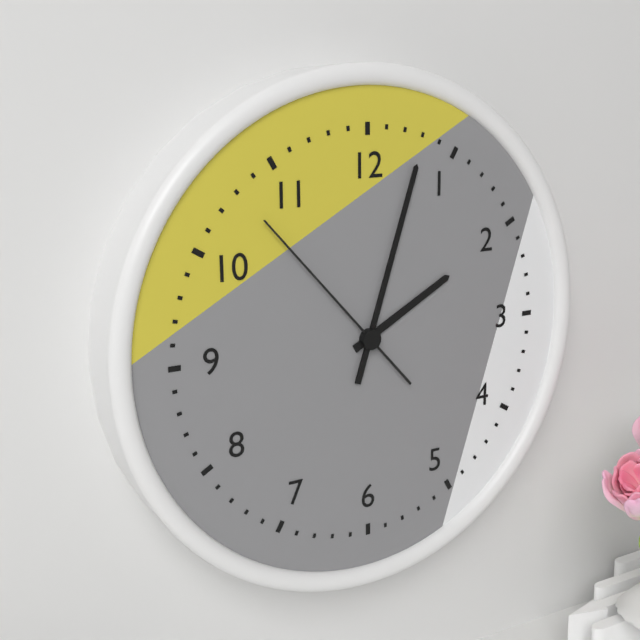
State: 2 h 03 min 53 s
